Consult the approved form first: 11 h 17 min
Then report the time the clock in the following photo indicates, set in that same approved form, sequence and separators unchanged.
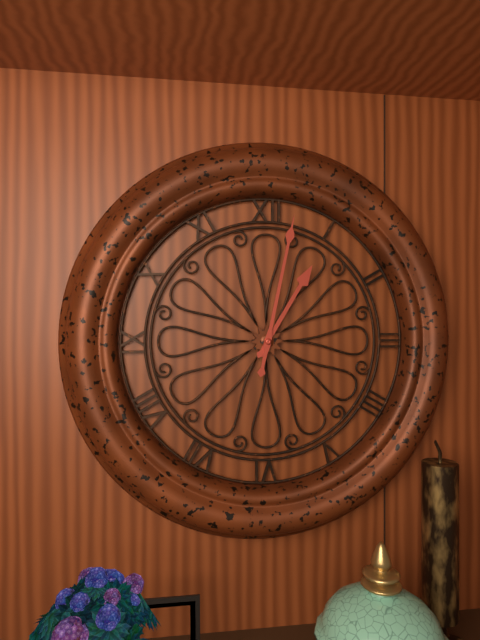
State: 1 h 02 min
